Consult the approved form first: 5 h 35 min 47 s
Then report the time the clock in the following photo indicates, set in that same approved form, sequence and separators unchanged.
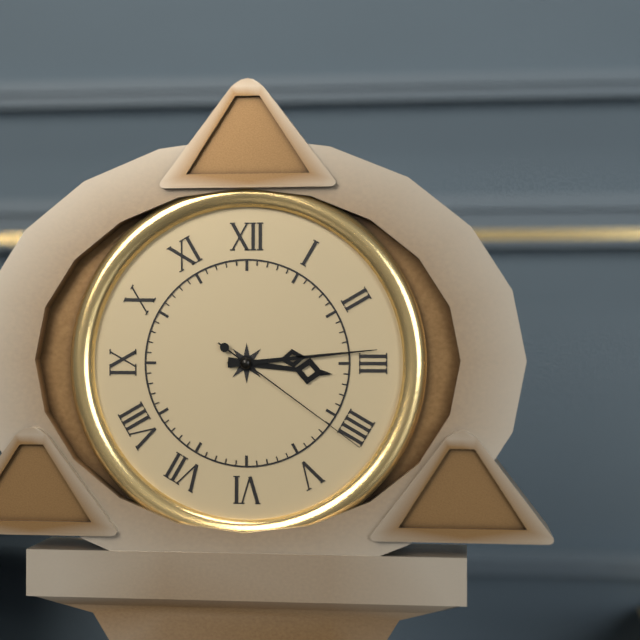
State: 3 h 14 min 21 s
